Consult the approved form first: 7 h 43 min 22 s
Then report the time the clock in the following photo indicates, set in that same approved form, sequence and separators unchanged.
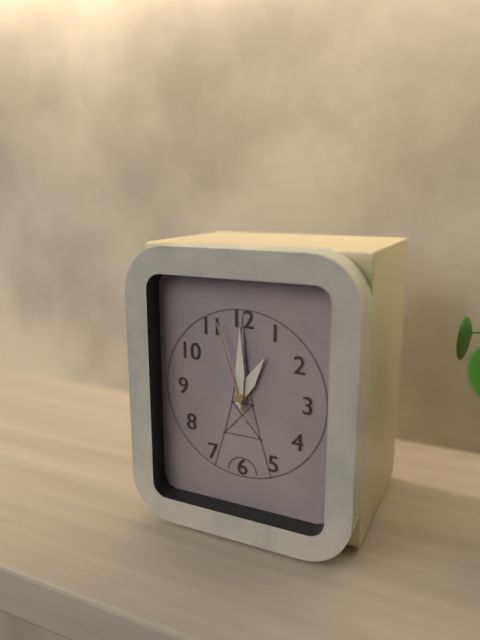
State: 1 h 00 min 57 s
